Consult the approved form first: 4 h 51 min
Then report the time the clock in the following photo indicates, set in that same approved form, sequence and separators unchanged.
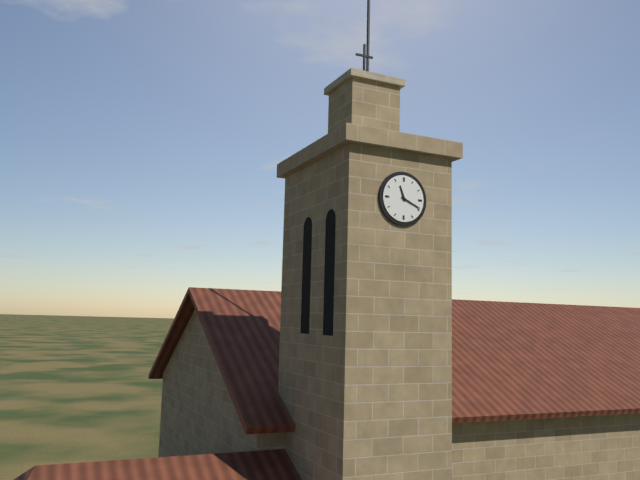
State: 11 h 19 min
